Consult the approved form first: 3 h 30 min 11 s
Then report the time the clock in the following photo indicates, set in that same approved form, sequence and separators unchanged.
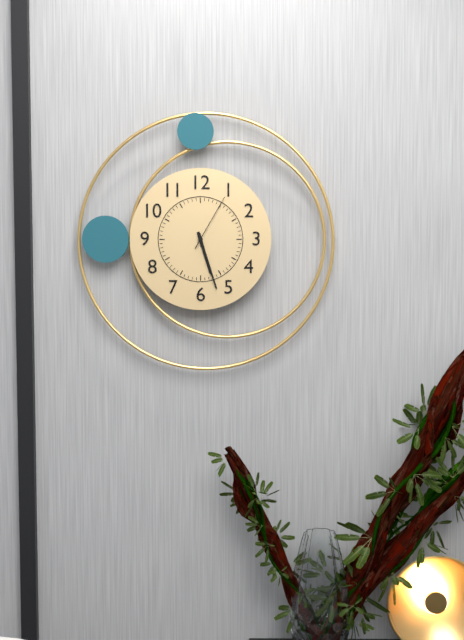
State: 5 h 27 min 05 s
